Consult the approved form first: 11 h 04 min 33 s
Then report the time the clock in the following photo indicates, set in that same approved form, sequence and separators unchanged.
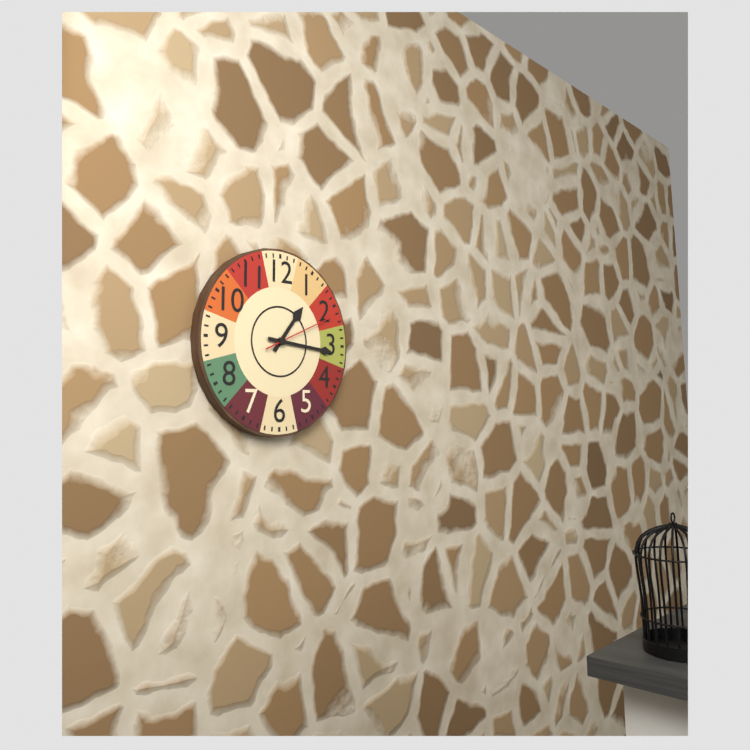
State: 1 h 16 min 11 s
